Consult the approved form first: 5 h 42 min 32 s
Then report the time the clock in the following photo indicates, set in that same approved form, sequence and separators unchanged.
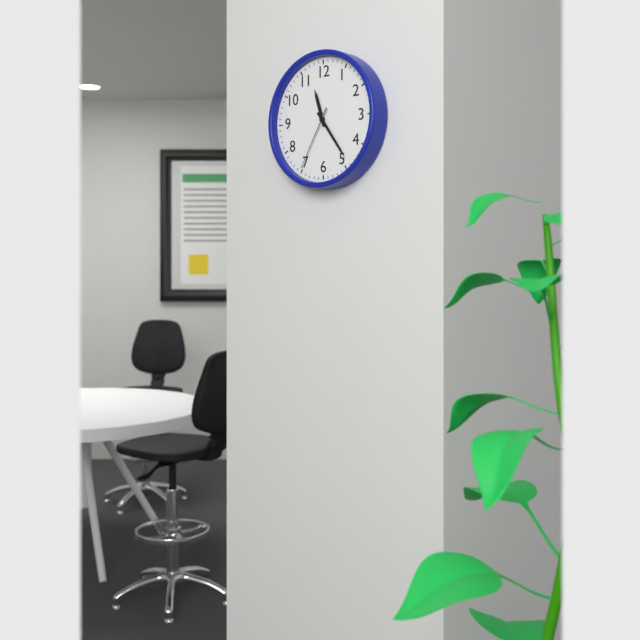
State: 11 h 24 min 35 s
